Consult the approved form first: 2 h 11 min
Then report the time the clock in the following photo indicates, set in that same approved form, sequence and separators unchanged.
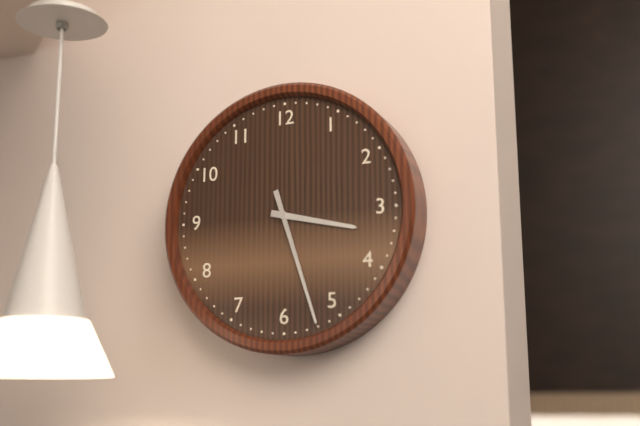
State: 3 h 27 min
